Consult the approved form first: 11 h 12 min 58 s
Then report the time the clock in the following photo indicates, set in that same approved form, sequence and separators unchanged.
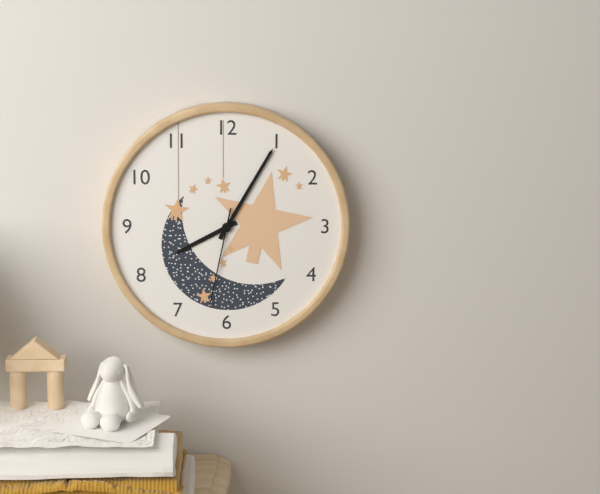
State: 8 h 05 min 32 s
